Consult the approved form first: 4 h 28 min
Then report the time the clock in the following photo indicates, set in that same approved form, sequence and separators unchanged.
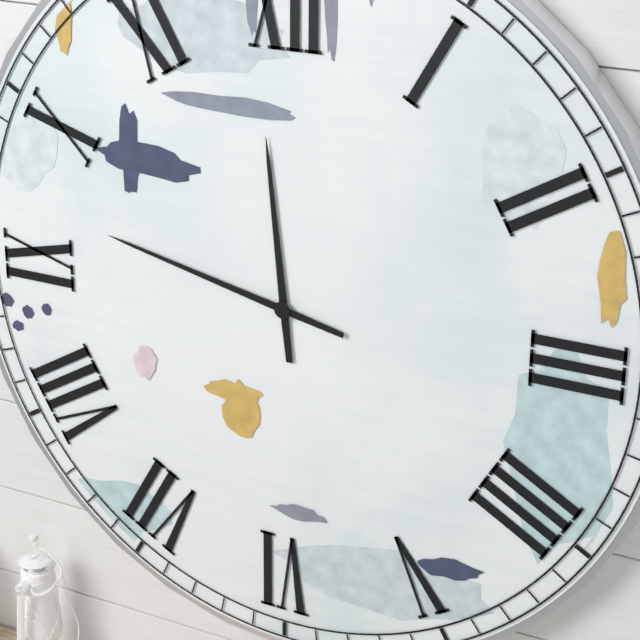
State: 11 h 47 min
